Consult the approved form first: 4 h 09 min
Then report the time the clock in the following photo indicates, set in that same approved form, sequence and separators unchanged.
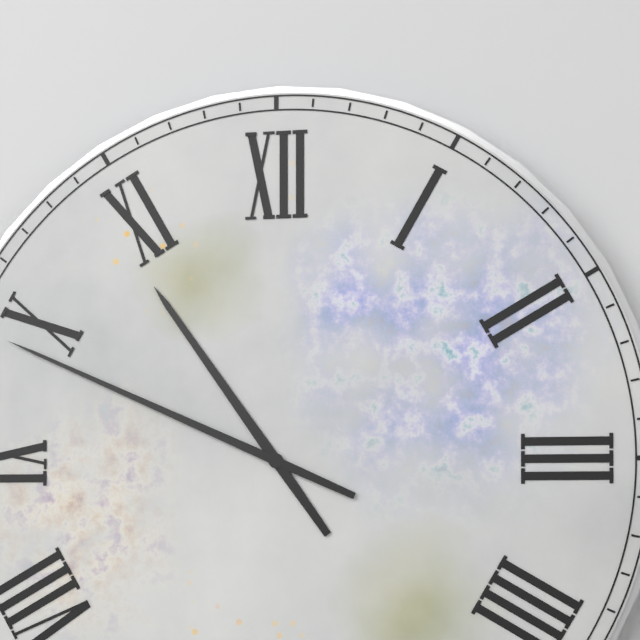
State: 10 h 49 min
